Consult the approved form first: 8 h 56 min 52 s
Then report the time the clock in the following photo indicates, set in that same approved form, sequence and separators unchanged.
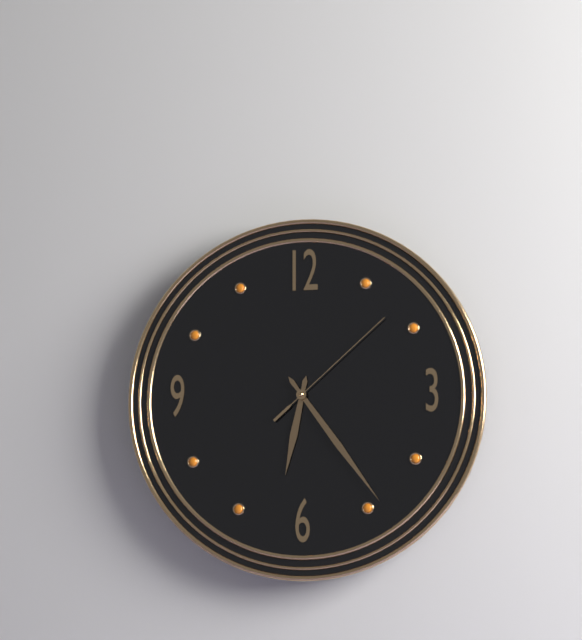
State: 6 h 24 min 08 s
